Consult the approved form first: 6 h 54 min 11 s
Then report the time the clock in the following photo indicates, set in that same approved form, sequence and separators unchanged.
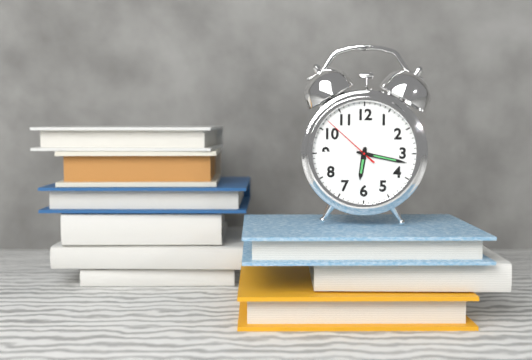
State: 6 h 17 min 52 s
